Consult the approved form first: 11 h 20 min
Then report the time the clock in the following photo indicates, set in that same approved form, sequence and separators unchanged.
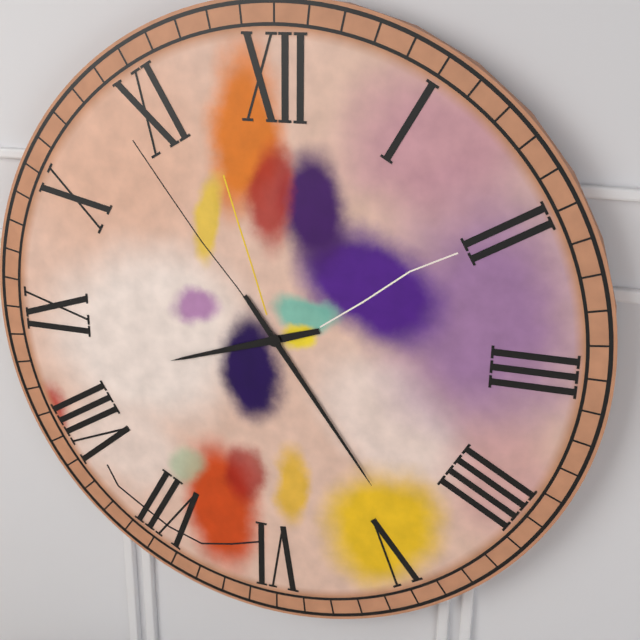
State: 8 h 24 min
